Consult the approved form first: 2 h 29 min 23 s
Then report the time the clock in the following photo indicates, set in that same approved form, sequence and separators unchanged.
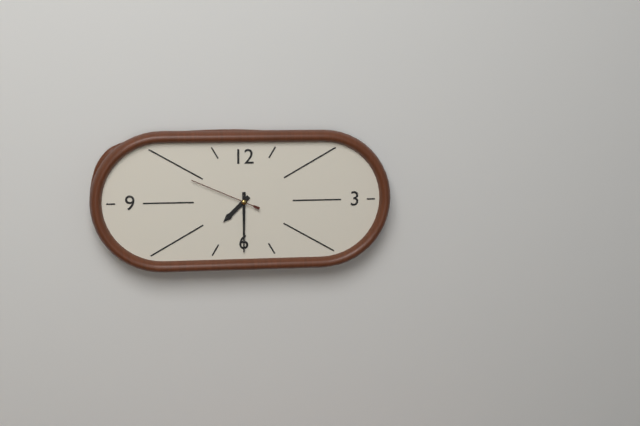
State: 7 h 30 min 49 s
